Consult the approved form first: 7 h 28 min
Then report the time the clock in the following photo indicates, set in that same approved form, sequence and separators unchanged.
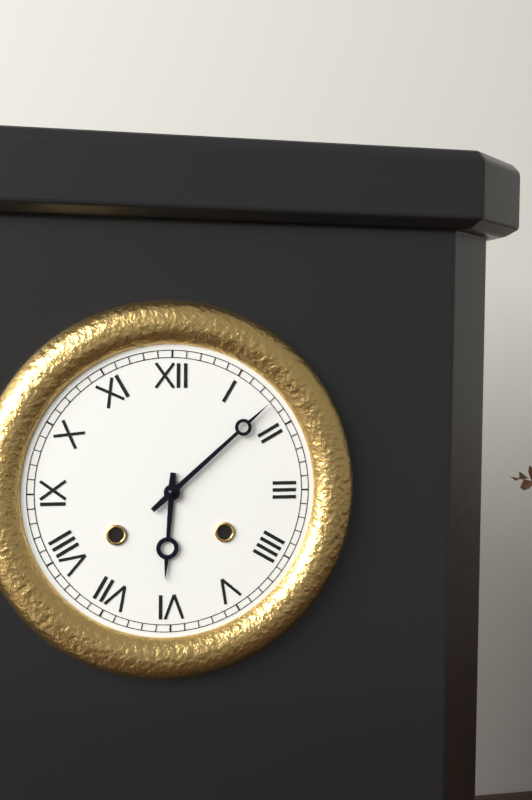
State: 6 h 08 min
